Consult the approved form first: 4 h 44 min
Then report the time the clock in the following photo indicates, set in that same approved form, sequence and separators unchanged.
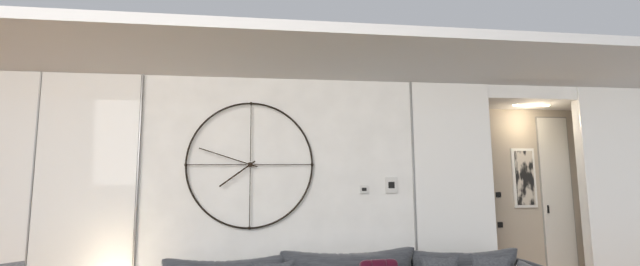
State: 7 h 48 min
